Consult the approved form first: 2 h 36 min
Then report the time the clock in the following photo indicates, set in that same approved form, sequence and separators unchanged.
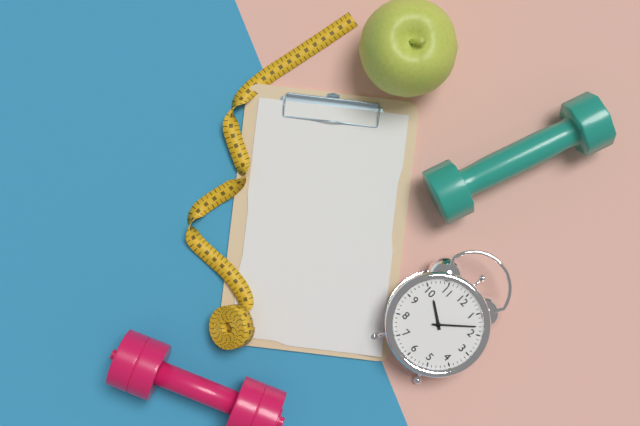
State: 10 h 08 min
